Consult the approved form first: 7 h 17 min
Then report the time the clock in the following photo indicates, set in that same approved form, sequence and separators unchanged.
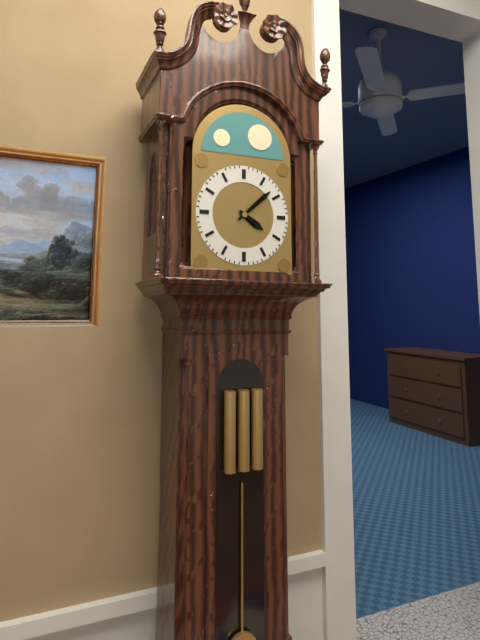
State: 4 h 08 min
